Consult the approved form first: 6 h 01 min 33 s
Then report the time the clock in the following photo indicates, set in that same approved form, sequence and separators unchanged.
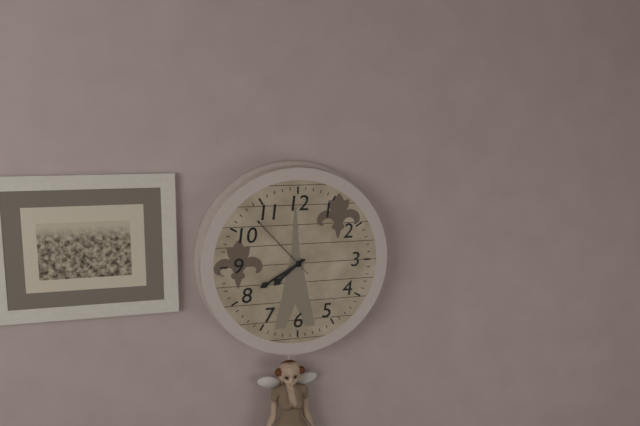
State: 7 h 40 min 53 s
